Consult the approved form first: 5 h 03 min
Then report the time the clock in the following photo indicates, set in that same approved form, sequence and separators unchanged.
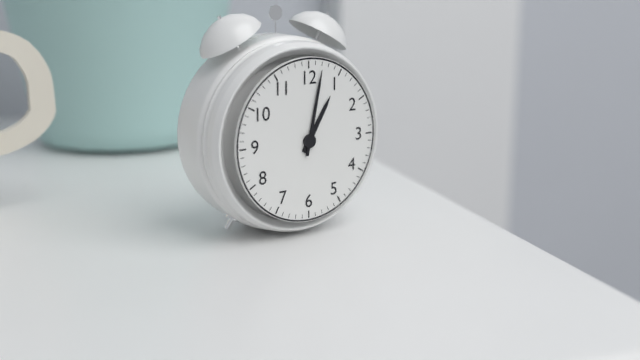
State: 1 h 02 min
